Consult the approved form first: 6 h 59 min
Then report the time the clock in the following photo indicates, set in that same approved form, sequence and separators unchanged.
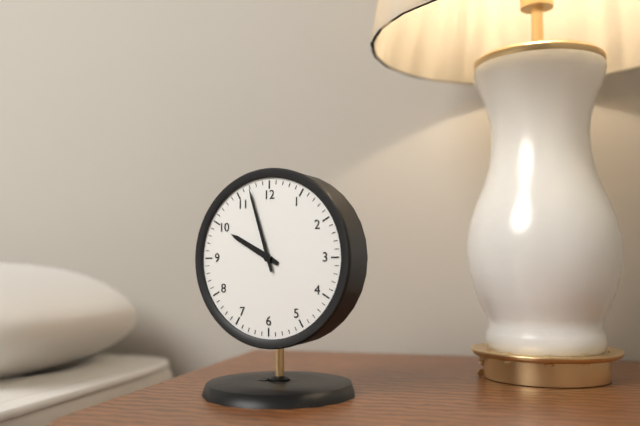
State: 9 h 57 min
